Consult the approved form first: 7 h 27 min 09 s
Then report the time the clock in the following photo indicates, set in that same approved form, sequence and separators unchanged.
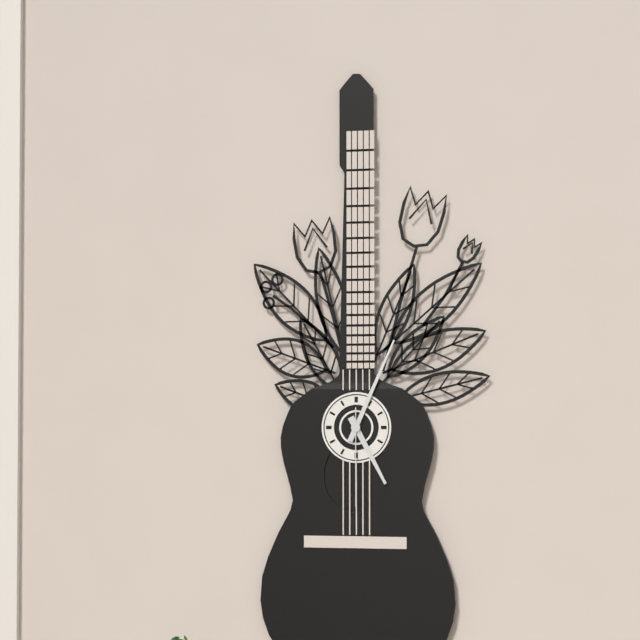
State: 5 h 04 min 30 s
